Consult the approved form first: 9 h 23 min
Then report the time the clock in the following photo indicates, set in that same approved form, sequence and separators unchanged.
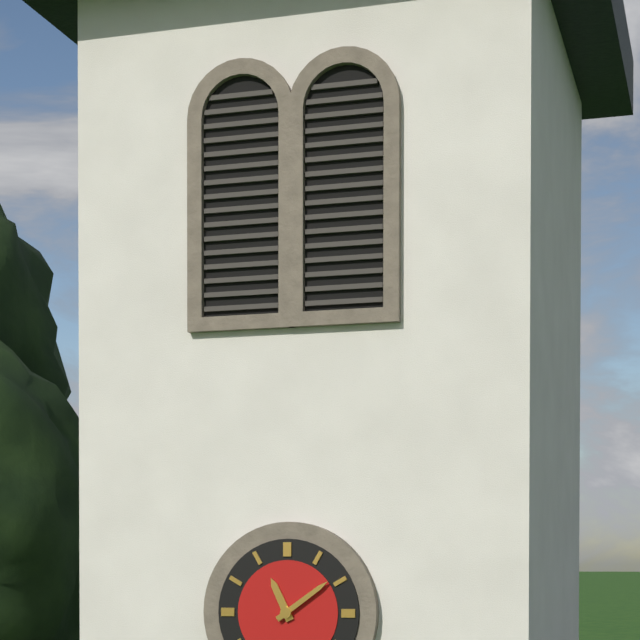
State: 11 h 09 min
